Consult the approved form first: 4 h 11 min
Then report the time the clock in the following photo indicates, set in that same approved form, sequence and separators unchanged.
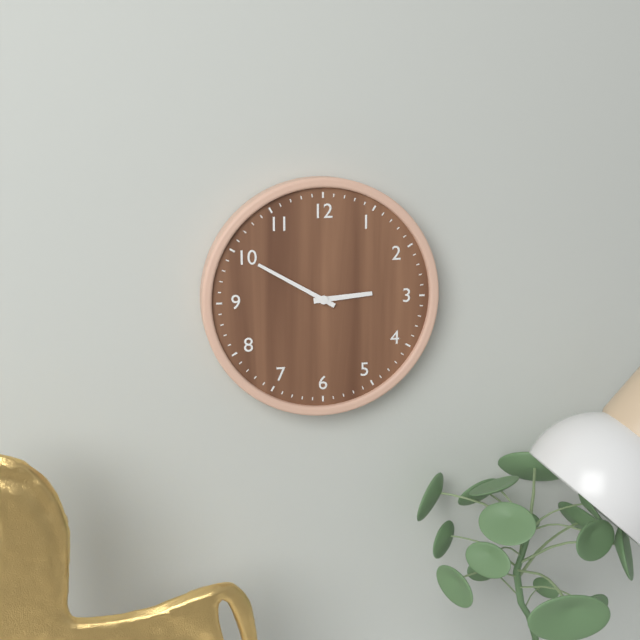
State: 2 h 50 min
